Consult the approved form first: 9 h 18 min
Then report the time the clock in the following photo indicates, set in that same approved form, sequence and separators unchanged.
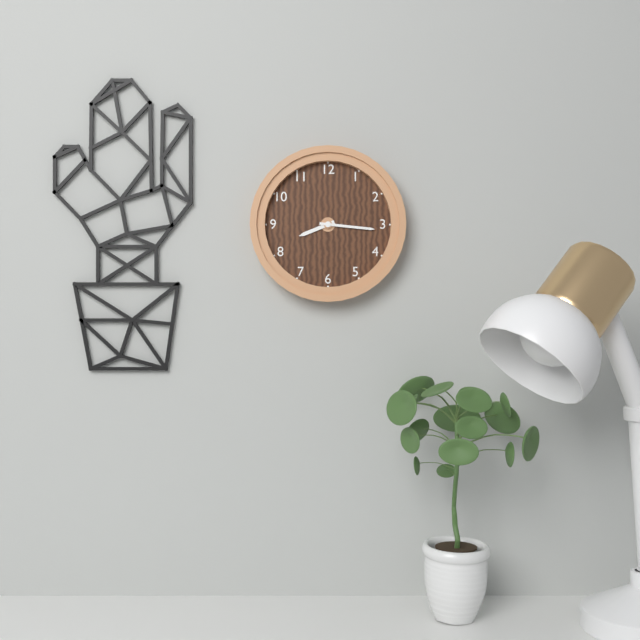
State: 8 h 16 min
